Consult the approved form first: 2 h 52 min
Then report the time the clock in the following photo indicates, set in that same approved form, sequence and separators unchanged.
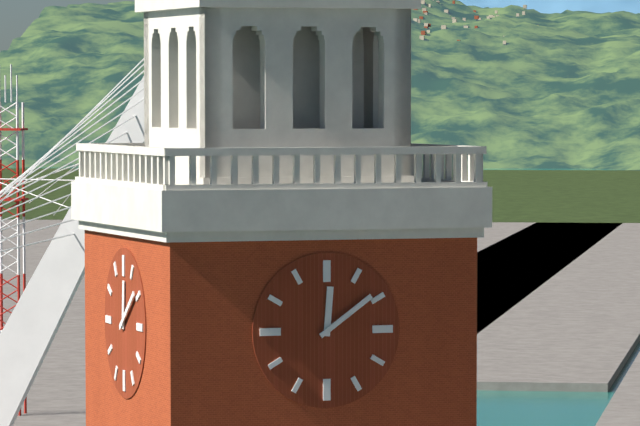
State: 12 h 09 min
